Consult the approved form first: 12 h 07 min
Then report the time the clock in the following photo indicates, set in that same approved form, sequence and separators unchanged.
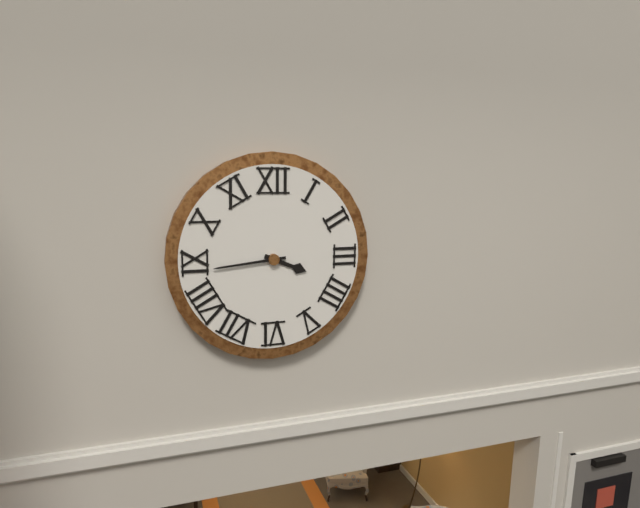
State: 3 h 44 min
